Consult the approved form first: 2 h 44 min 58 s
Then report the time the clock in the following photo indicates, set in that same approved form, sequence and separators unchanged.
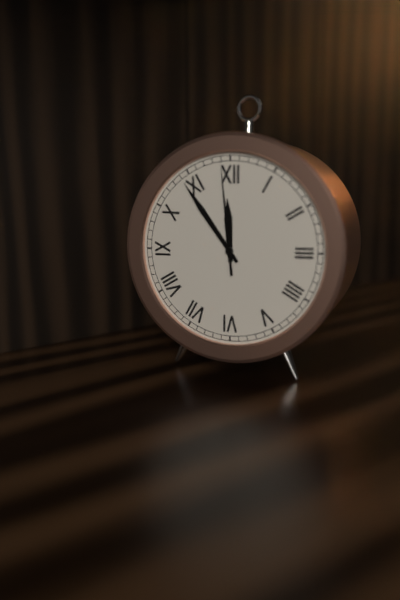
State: 11 h 54 min 59 s
